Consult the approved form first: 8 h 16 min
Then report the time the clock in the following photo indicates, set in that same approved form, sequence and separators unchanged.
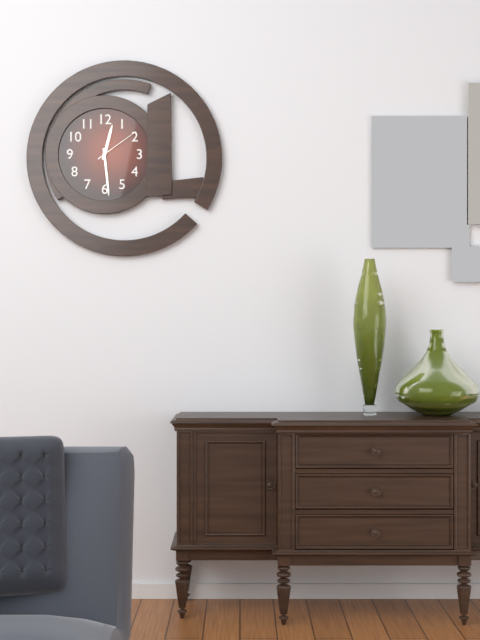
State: 12 h 29 min
